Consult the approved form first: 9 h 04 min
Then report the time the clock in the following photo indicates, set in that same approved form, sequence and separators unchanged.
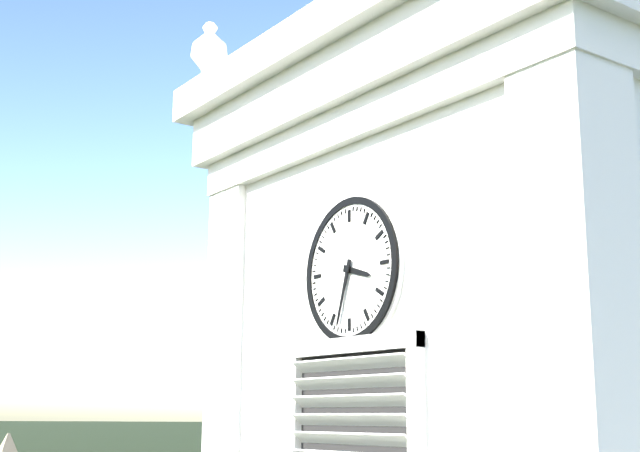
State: 3 h 33 min
